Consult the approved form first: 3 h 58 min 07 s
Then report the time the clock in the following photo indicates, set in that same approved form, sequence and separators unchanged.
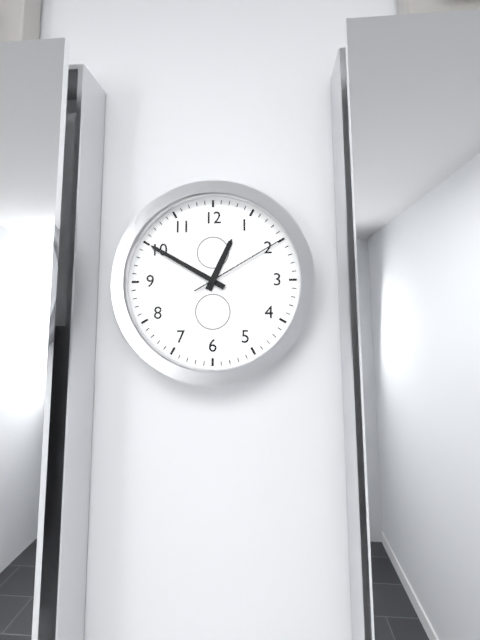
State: 12 h 50 min 10 s
